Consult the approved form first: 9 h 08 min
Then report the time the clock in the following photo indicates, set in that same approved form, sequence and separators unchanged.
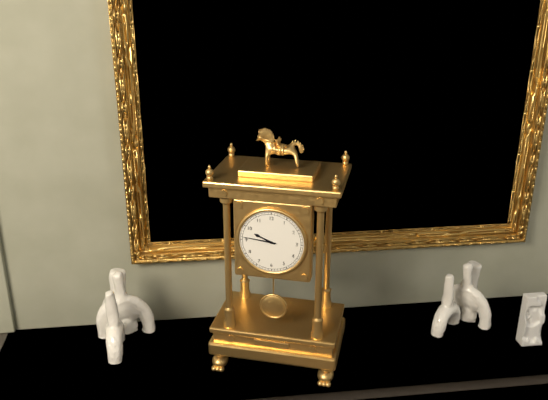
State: 9 h 46 min
